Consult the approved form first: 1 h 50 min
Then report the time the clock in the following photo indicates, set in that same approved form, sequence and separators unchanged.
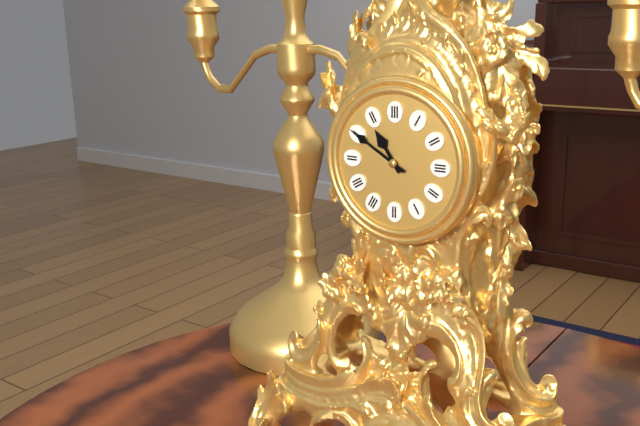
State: 10 h 50 min
